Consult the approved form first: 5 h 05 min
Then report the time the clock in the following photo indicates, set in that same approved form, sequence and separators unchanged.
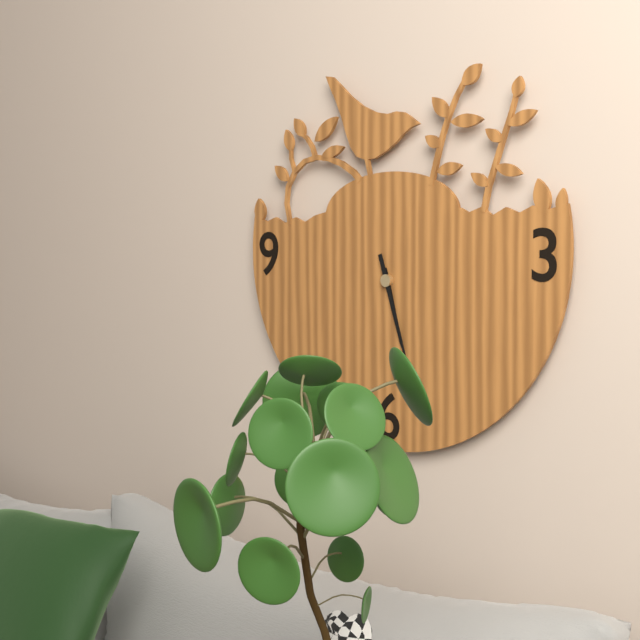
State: 5 h 27 min
